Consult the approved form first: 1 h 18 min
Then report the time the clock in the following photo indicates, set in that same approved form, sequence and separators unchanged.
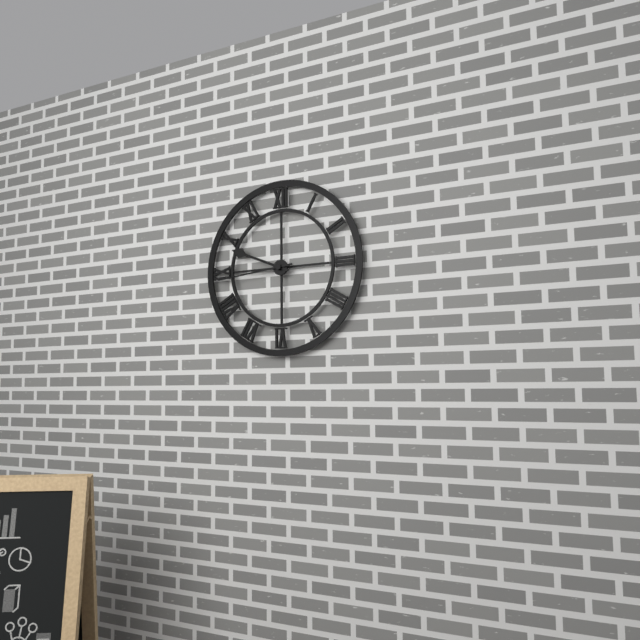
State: 9 h 44 min
